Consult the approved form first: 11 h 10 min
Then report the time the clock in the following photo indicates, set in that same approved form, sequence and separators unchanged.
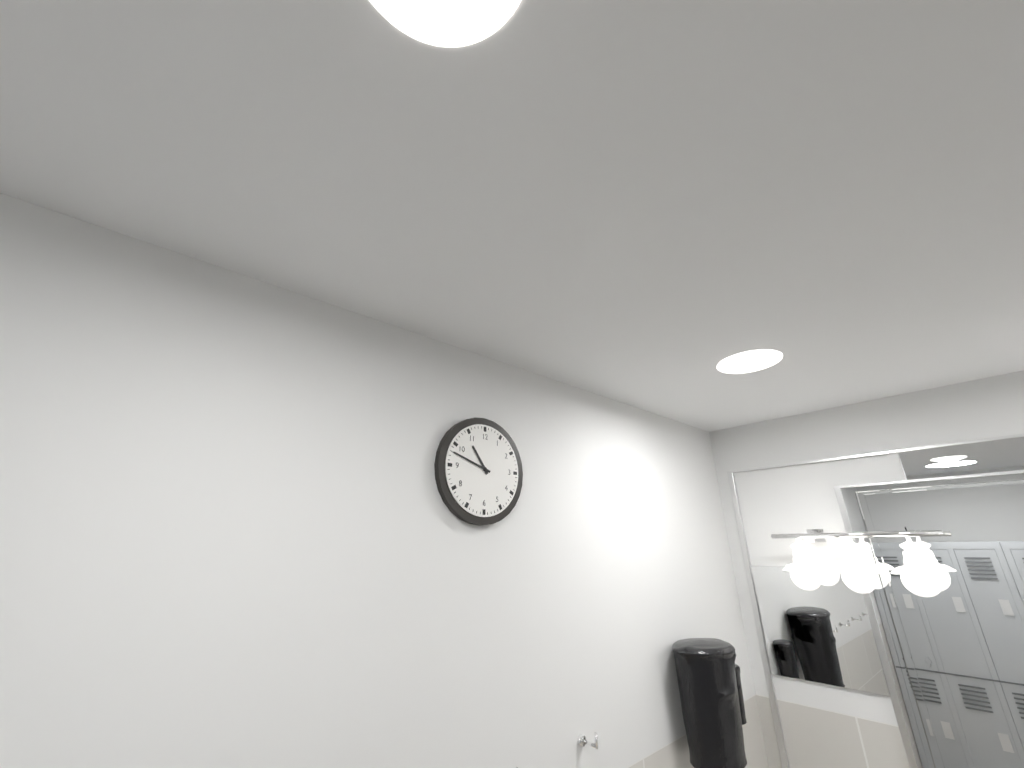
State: 10 h 48 min
